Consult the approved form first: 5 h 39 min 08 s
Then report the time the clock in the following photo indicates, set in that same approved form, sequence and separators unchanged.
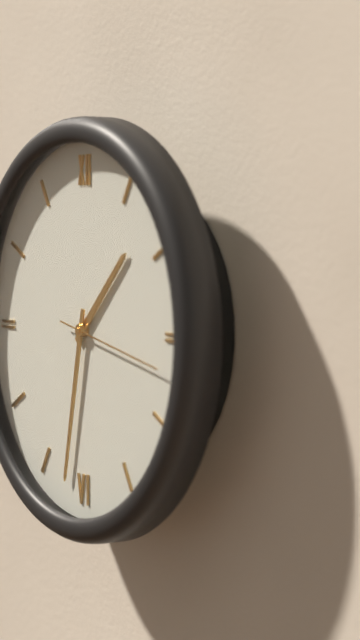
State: 1 h 32 min 17 s
